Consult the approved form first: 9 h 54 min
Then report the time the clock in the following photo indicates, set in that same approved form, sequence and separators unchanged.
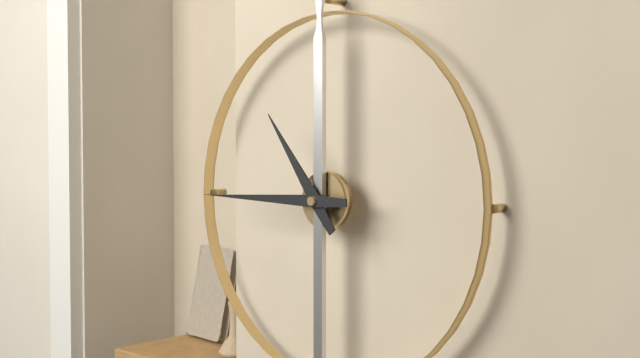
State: 10 h 45 min
